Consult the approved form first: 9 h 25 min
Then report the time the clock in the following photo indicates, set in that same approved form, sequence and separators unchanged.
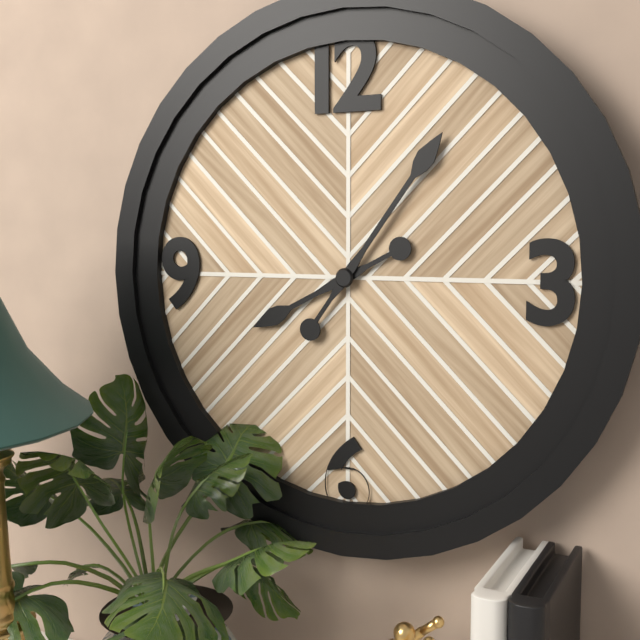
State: 8 h 06 min
